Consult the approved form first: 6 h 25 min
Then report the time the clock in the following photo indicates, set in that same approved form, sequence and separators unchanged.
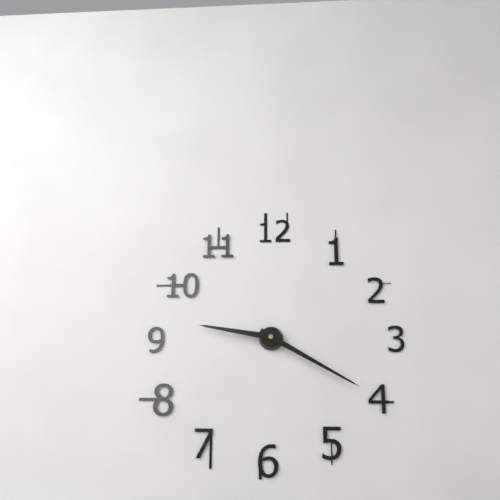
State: 9 h 20 min
